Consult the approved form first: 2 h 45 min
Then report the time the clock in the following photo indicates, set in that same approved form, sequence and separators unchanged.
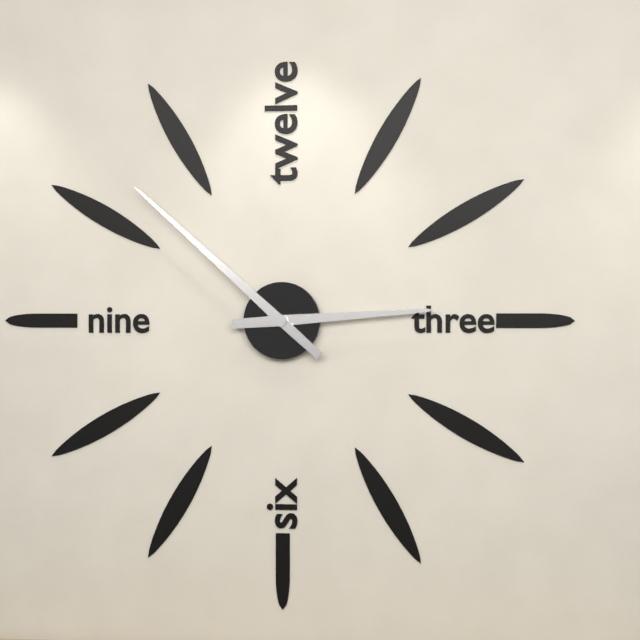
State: 2 h 52 min
